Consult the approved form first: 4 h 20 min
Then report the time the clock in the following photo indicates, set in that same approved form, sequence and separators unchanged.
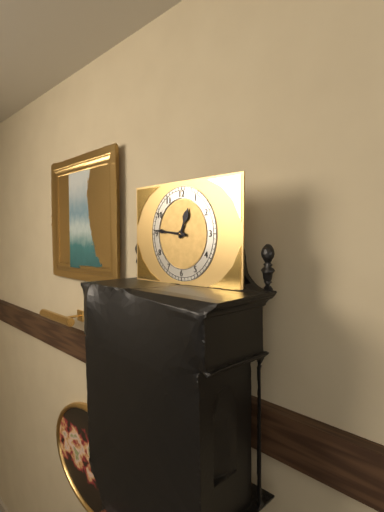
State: 12 h 46 min
